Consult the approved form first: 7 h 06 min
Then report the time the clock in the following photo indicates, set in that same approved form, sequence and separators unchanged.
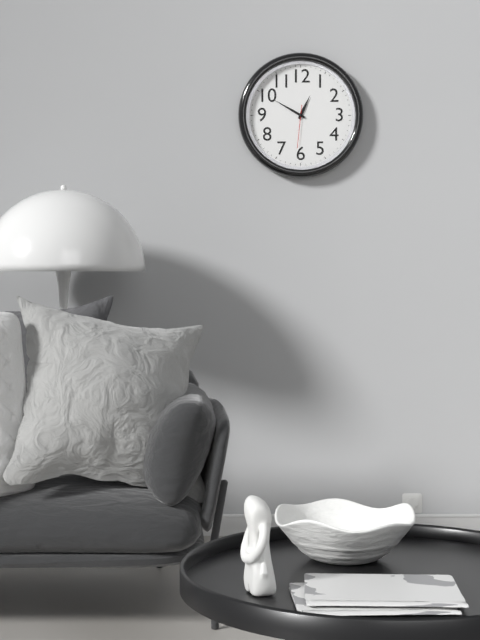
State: 12 h 50 min
